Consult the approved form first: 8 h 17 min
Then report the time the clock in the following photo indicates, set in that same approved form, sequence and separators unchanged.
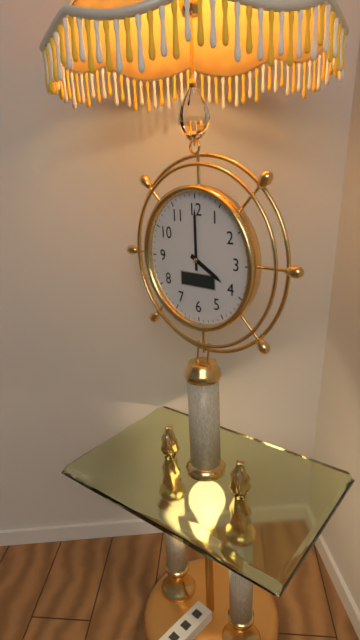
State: 4 h 00 min
